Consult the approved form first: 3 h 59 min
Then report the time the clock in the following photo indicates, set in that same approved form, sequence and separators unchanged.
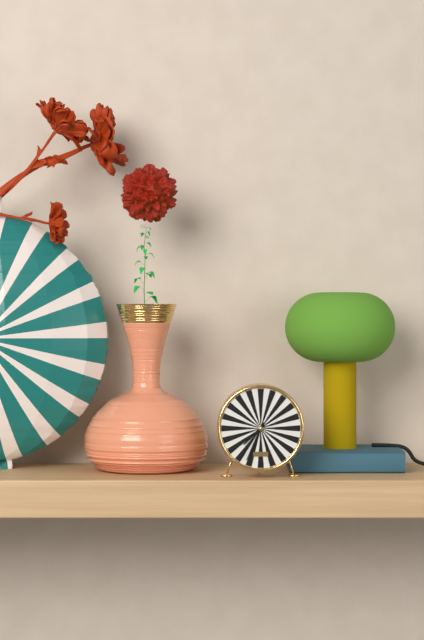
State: 7 h 34 min
